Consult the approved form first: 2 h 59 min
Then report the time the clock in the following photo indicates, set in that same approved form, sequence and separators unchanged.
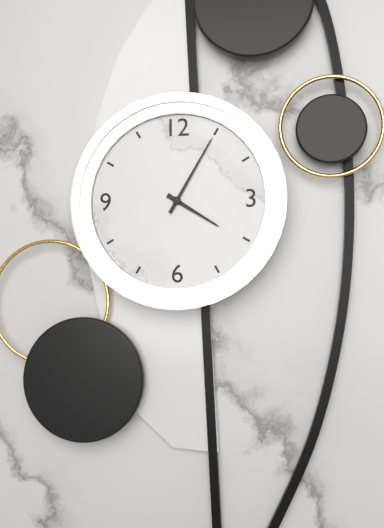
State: 4 h 05 min
